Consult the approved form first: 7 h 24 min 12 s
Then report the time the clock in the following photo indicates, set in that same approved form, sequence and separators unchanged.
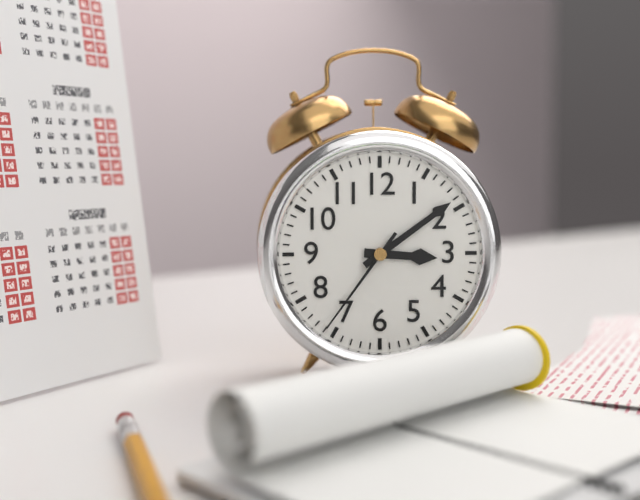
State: 3 h 09 min 36 s
